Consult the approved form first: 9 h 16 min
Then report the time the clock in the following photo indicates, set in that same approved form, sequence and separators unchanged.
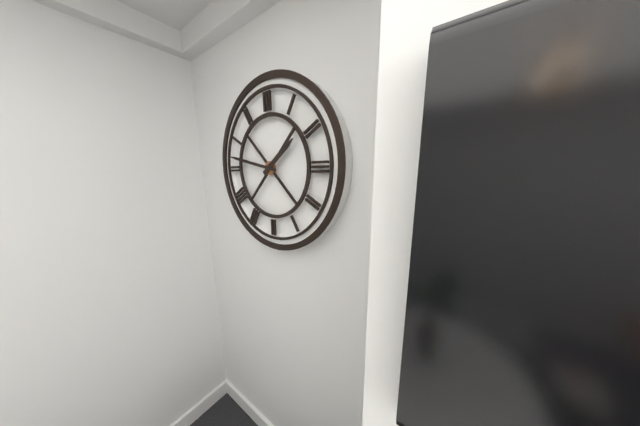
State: 1 h 47 min
